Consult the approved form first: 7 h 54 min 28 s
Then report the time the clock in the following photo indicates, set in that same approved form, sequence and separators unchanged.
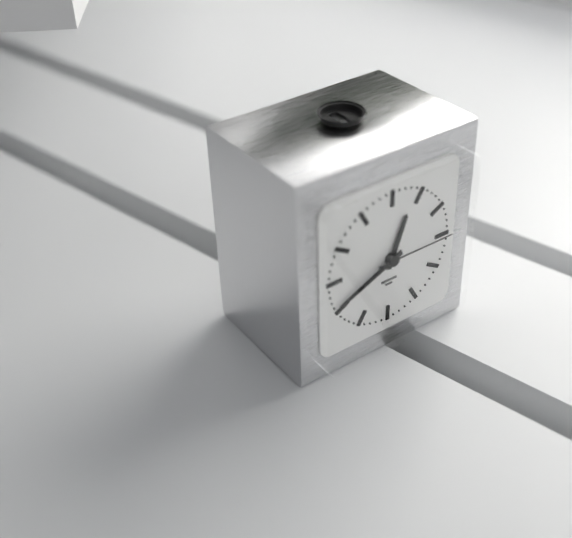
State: 12 h 41 min 15 s
